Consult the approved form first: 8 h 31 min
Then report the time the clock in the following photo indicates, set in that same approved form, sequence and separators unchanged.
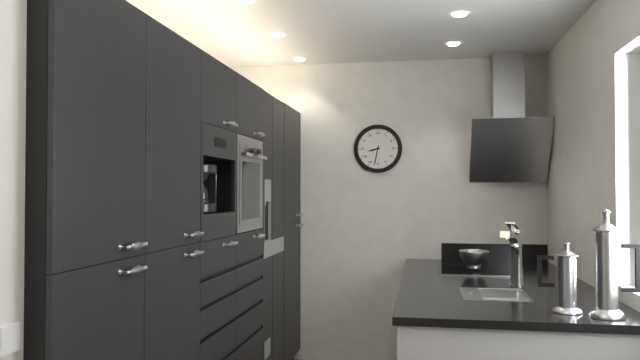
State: 8 h 32 min
